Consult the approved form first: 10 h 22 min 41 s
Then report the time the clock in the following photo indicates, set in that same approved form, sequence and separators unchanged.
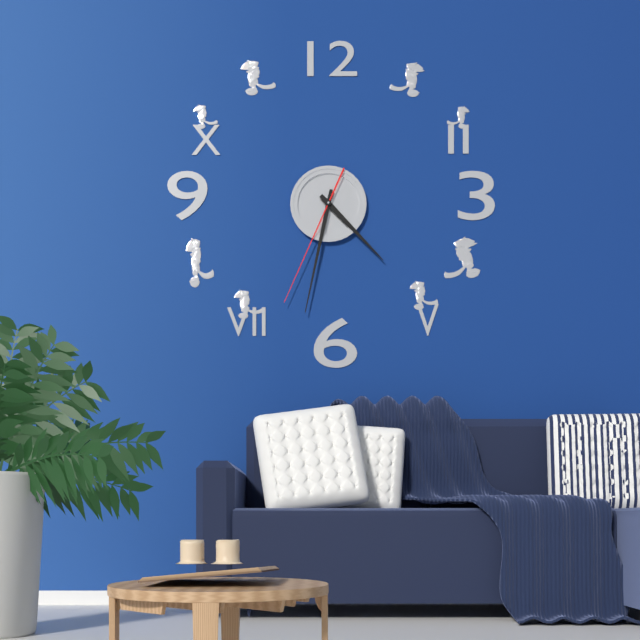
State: 4 h 32 min 34 s
